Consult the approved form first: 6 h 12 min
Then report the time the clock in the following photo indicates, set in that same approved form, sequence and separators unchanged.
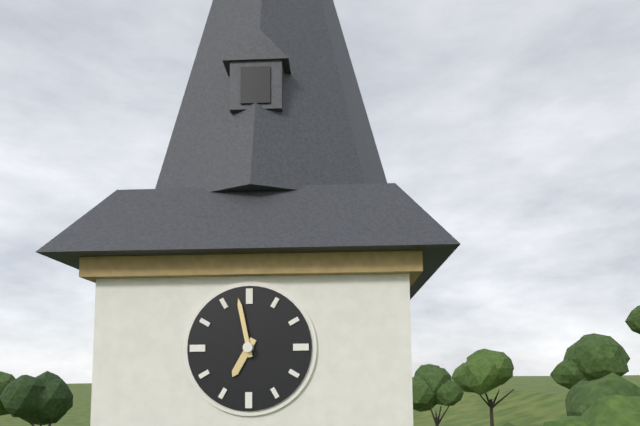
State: 6 h 58 min
